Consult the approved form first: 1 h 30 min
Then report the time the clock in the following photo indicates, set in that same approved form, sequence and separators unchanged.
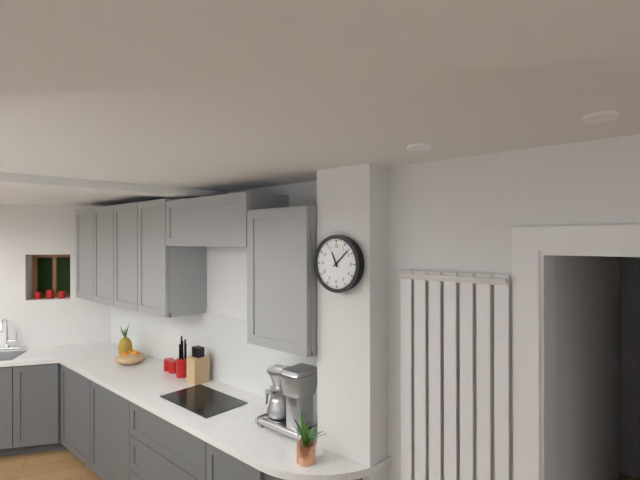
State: 11 h 08 min
